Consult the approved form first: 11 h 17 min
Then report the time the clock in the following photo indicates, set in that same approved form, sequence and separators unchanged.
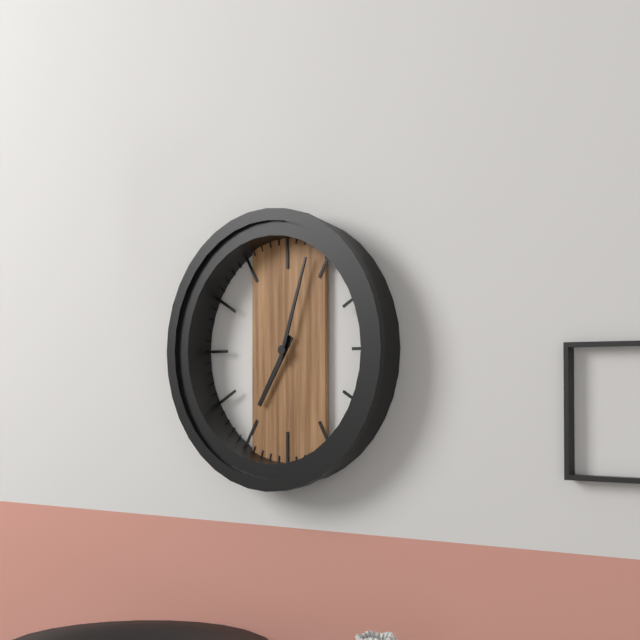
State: 7 h 03 min
